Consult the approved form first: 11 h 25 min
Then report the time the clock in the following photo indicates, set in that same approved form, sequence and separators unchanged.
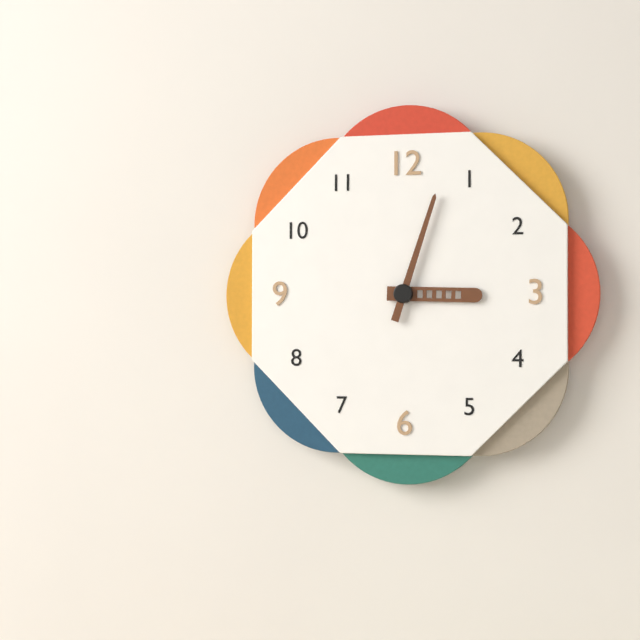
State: 3 h 03 min
